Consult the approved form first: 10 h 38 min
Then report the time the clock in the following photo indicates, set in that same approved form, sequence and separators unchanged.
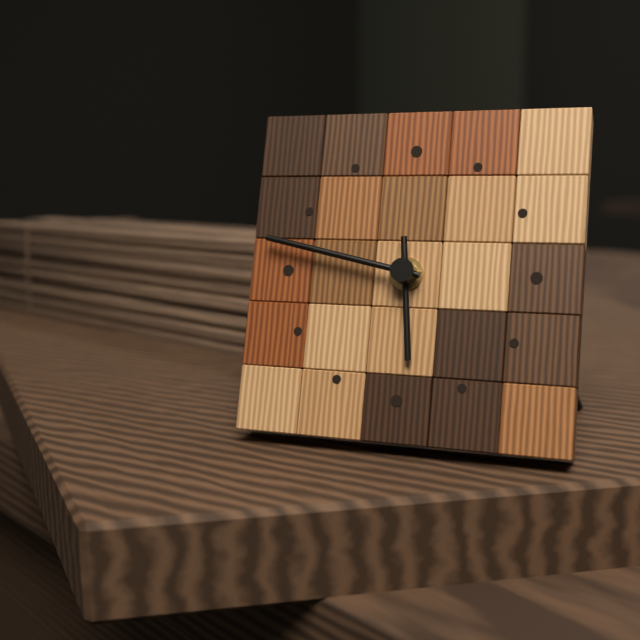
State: 5 h 47 min
